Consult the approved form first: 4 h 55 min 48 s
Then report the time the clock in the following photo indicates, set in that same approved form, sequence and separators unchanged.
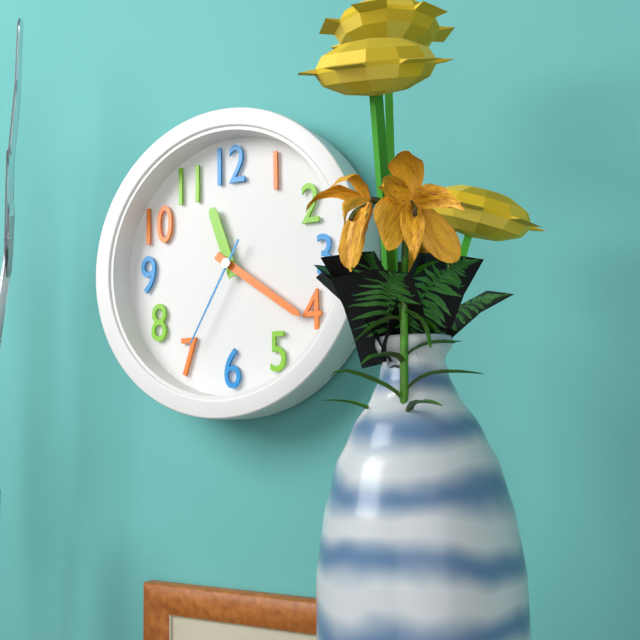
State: 11 h 21 min 35 s
